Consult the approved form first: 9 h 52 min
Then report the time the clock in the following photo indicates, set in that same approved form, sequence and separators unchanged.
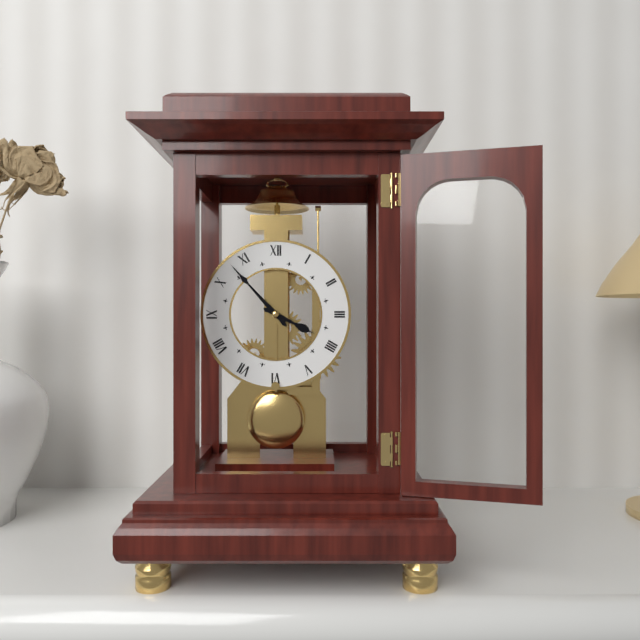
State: 3 h 53 min
